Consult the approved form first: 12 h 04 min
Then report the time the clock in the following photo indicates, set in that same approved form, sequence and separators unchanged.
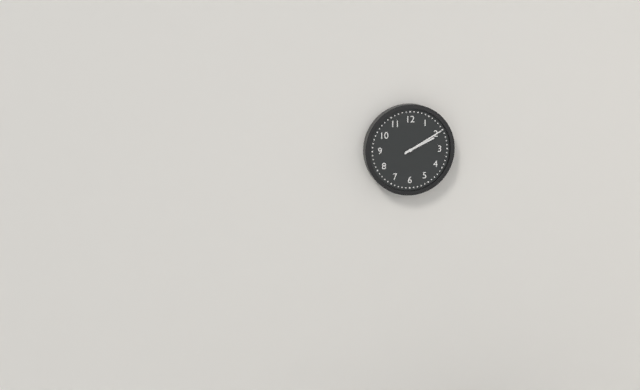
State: 2 h 10 min
